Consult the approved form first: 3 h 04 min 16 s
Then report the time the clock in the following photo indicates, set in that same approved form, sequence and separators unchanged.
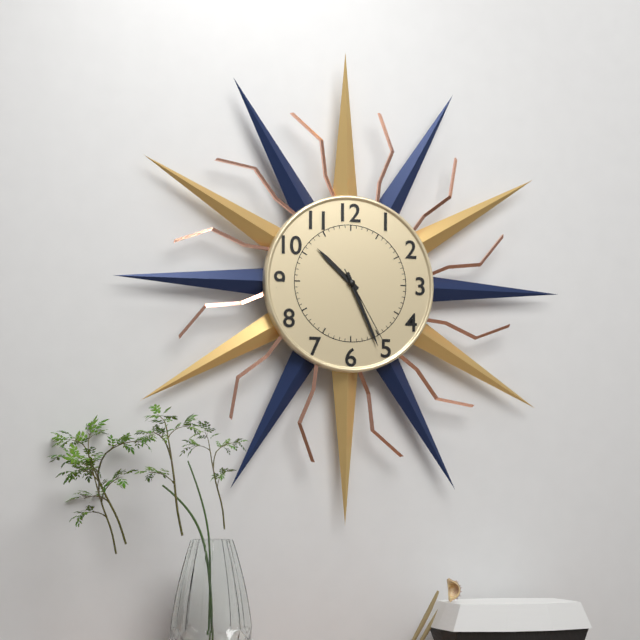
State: 10 h 26 min 25 s
